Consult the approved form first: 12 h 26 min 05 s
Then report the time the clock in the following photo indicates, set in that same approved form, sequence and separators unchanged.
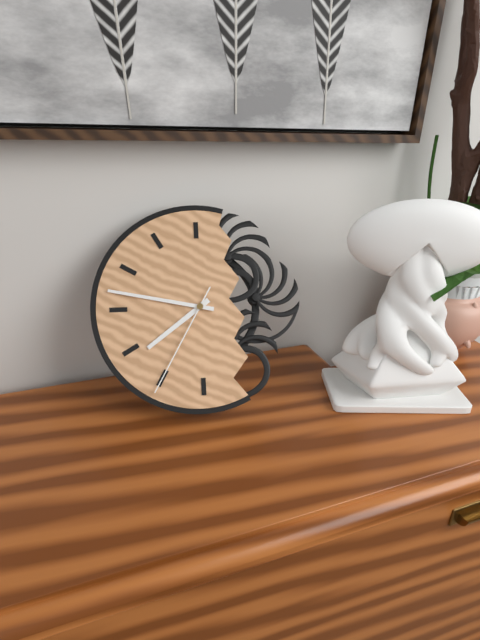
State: 7 h 47 min 35 s
